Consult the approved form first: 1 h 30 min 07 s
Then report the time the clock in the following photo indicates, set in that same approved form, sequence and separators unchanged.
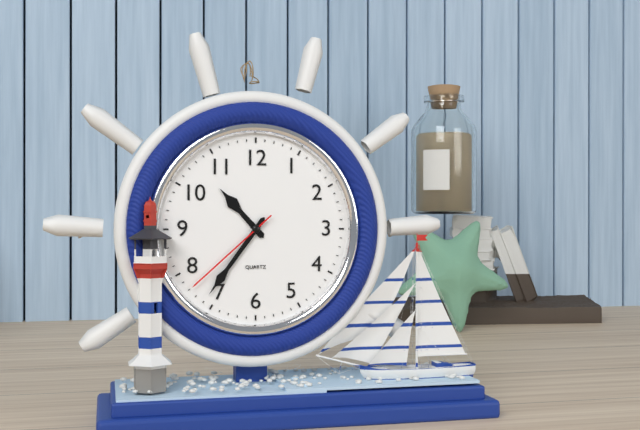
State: 10 h 36 min 38 s
